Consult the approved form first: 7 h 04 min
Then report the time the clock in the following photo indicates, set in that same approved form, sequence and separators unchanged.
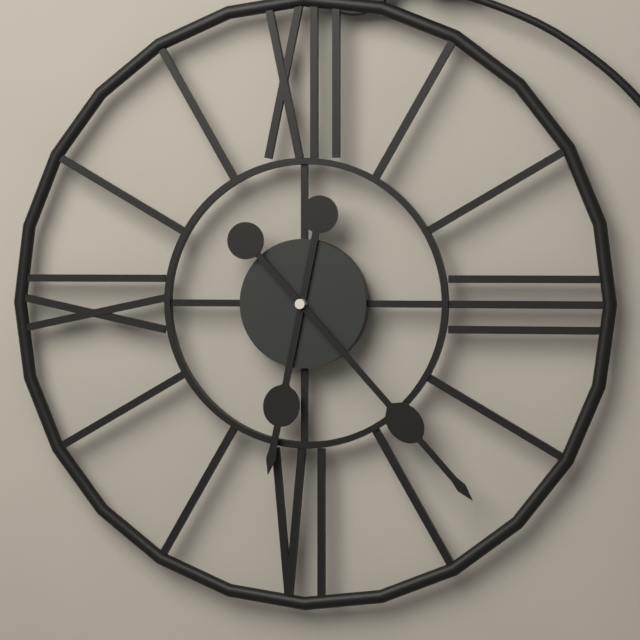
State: 6 h 23 min
